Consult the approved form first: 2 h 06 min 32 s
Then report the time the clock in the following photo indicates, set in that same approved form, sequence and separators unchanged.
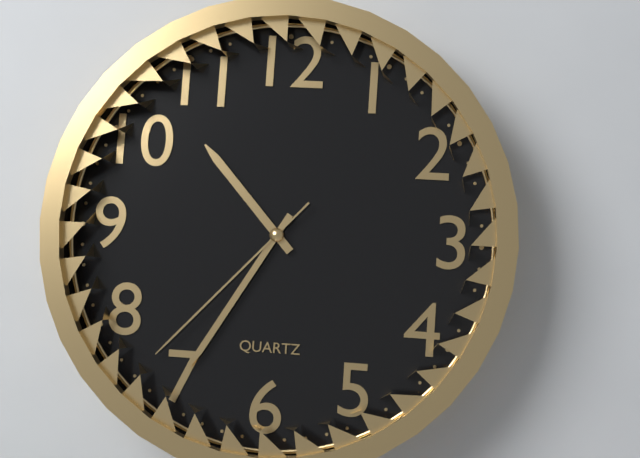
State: 10 h 35 min 37 s
